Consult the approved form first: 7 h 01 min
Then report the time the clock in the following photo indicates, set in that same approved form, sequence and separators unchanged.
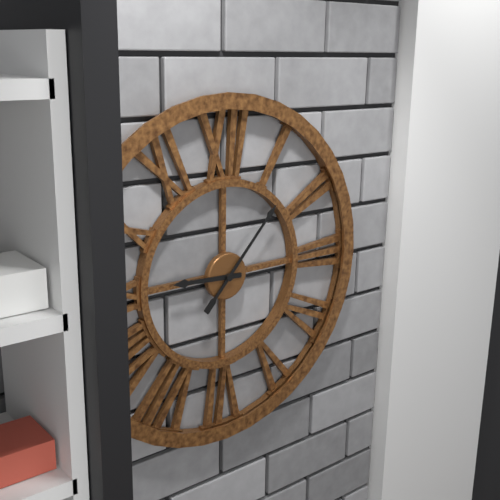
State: 9 h 07 min
